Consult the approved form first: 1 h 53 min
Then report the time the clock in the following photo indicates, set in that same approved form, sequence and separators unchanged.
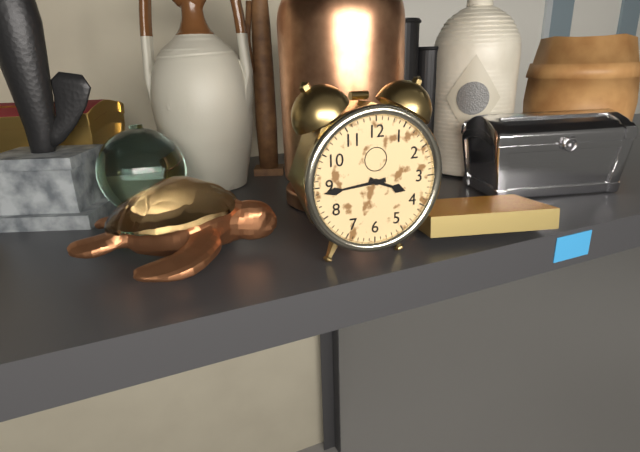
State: 3 h 44 min
